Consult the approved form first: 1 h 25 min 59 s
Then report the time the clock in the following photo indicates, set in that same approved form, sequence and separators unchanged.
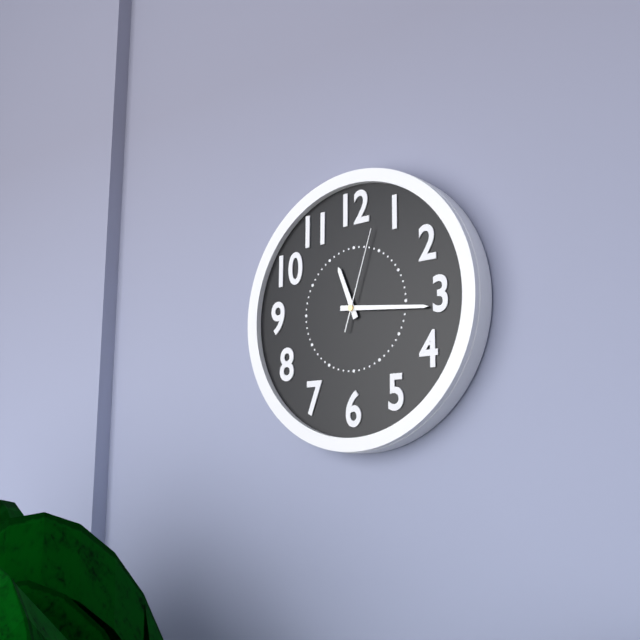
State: 11 h 16 min 03 s
